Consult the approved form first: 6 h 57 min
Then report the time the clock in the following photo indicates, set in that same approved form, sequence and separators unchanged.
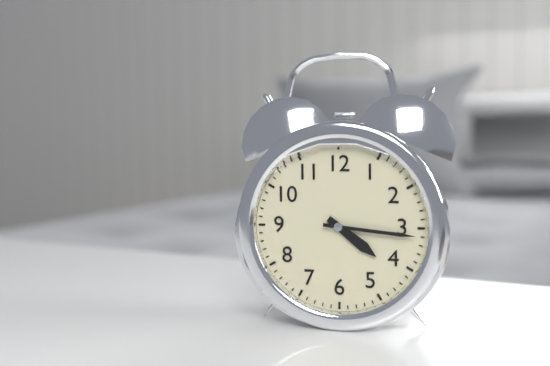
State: 4 h 16 min
